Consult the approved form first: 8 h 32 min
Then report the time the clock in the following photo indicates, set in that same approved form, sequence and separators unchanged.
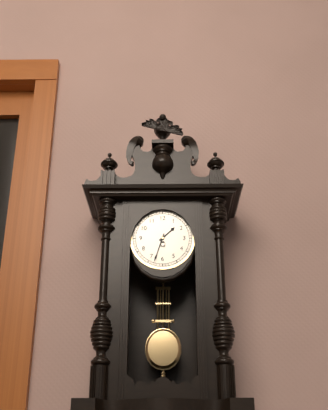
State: 1 h 33 min
